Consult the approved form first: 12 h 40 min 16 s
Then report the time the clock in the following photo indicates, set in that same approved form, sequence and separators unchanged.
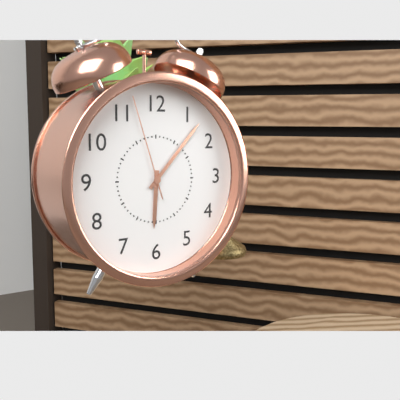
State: 6 h 07 min 57 s
